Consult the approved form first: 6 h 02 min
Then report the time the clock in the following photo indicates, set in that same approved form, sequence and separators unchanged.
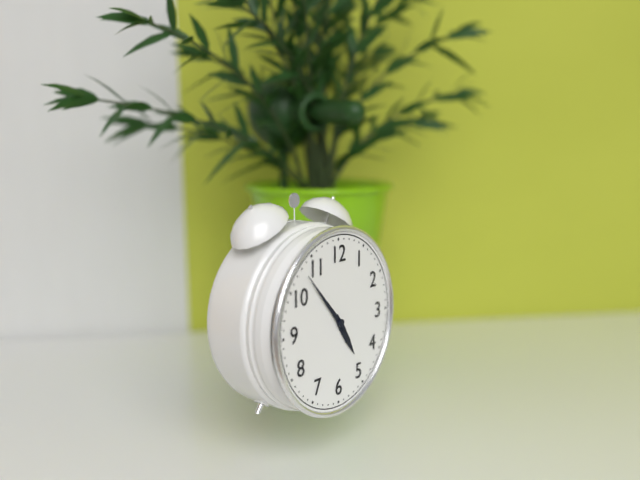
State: 4 h 53 min
